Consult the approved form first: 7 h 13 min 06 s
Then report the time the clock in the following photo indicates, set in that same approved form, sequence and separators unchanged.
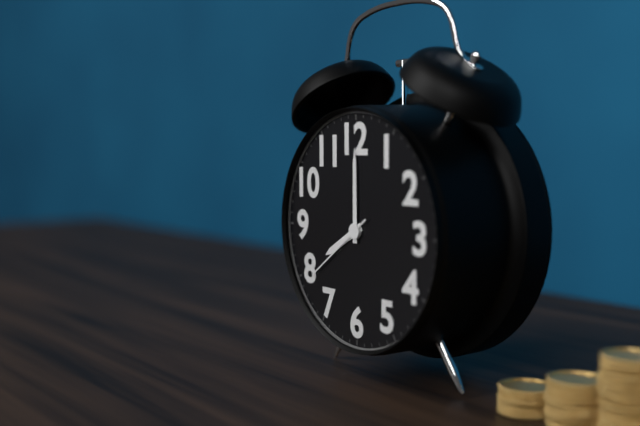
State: 8 h 00 min 39 s
